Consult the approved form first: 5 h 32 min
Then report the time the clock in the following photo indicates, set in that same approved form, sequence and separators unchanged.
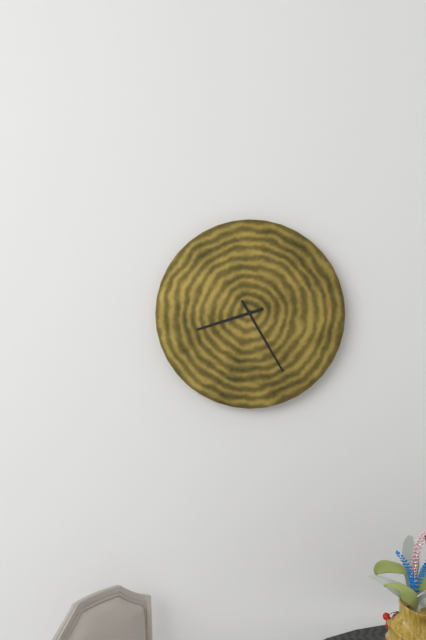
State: 8 h 25 min
